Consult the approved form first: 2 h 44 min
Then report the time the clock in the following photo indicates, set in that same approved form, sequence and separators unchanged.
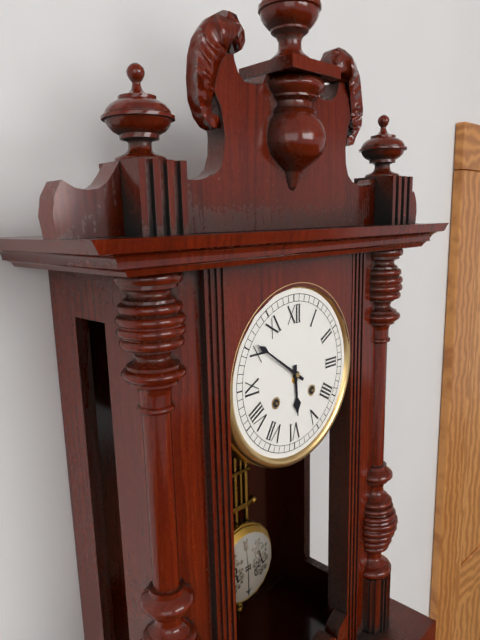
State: 5 h 51 min
